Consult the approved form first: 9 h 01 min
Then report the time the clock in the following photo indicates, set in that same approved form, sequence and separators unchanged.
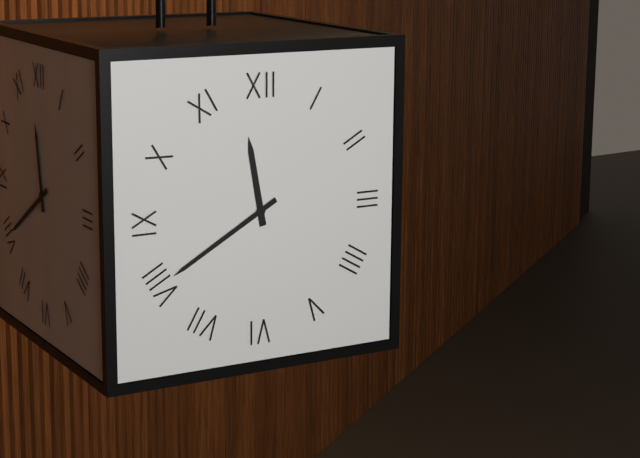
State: 11 h 40 min
